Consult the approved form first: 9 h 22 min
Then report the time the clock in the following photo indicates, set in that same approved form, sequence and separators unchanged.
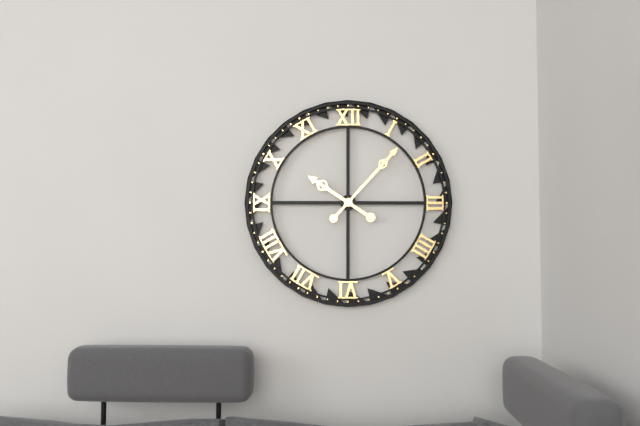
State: 10 h 07 min
